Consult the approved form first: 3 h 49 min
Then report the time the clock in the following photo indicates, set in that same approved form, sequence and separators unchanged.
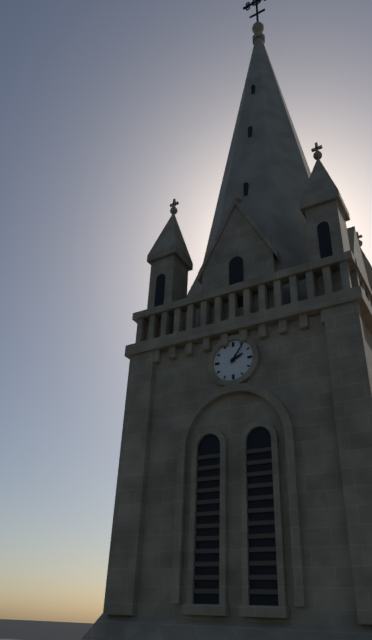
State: 2 h 06 min
